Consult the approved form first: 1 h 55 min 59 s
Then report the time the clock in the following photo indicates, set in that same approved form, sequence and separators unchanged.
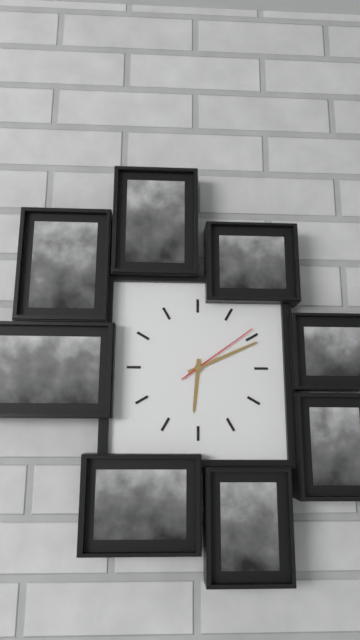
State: 6 h 11 min 09 s
